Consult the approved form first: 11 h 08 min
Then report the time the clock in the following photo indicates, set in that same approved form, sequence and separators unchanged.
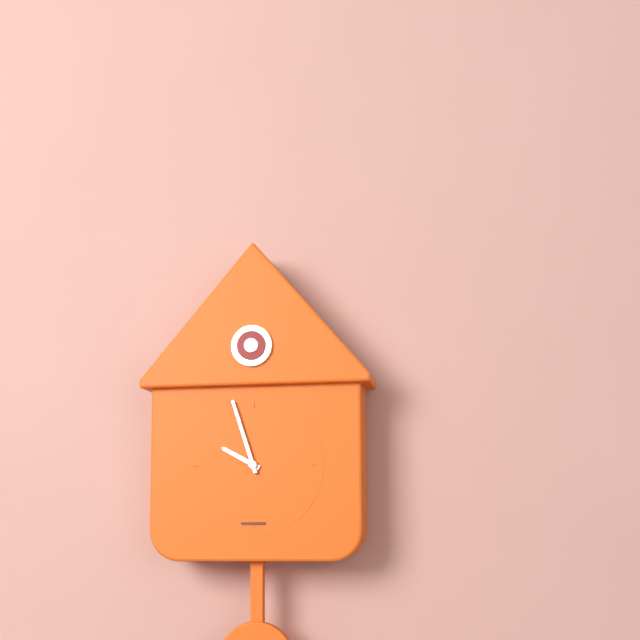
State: 9 h 57 min
